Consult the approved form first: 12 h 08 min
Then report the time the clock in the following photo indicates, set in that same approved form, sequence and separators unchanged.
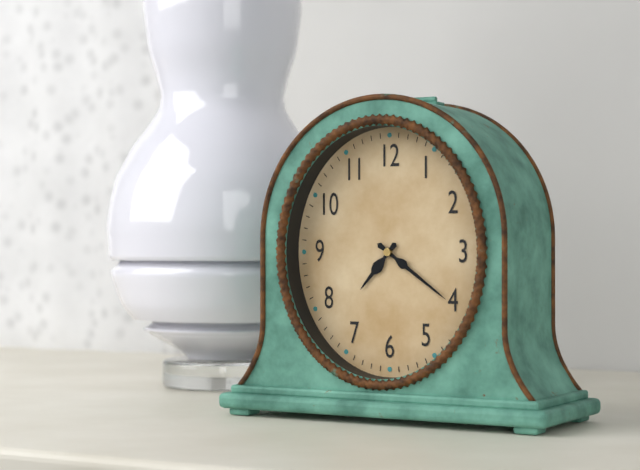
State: 7 h 21 min
